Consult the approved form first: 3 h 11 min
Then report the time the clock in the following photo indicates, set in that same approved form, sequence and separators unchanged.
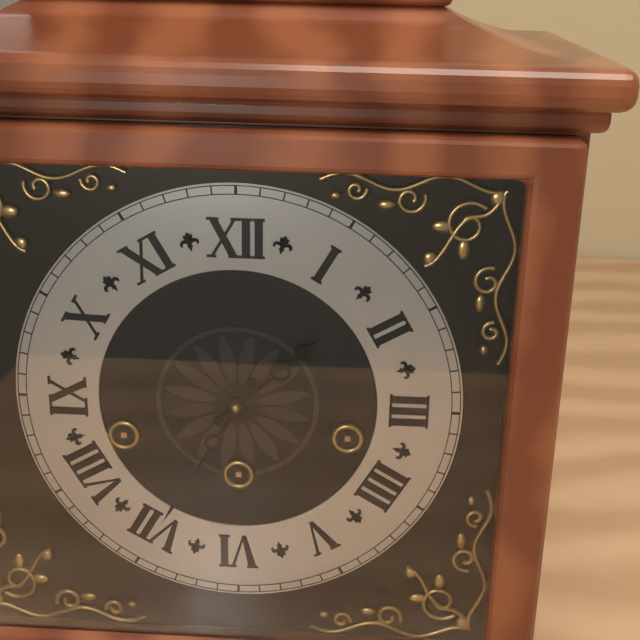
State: 1 h 35 min
